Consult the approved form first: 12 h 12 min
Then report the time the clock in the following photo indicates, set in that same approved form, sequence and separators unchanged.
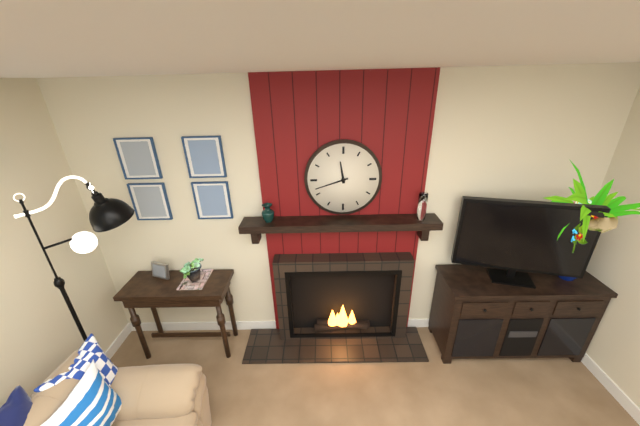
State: 11 h 42 min
